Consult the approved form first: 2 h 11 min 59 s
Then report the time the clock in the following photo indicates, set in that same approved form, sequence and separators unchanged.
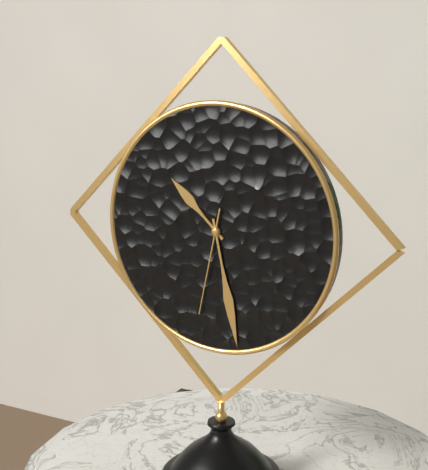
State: 10 h 28 min 32 s
